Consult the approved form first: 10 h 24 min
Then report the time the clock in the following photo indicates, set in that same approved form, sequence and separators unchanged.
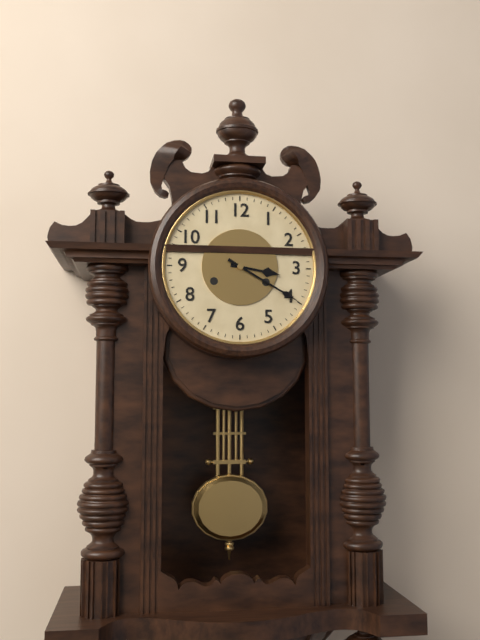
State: 3 h 20 min
